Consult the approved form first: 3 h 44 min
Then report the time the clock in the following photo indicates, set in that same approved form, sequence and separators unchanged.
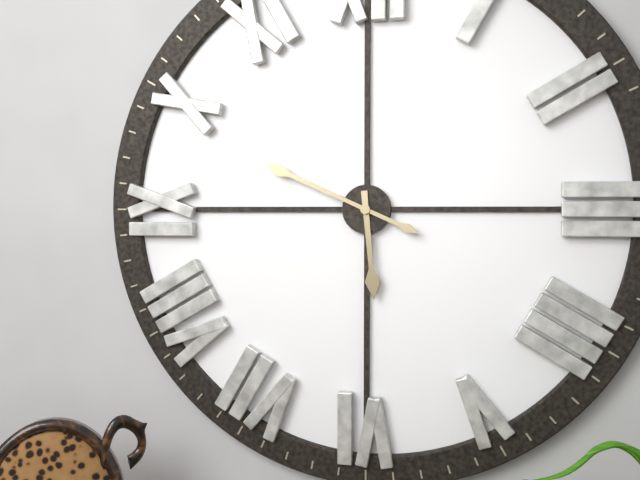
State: 5 h 49 min
